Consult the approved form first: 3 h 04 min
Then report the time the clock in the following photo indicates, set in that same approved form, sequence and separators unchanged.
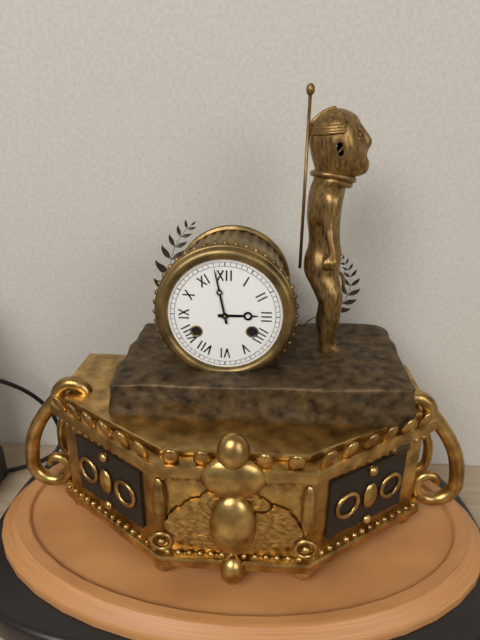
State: 2 h 58 min
